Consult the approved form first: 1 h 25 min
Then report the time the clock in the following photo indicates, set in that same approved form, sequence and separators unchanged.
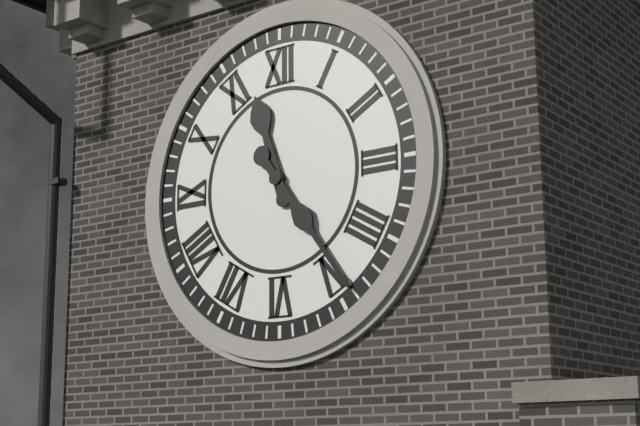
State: 11 h 24 min
